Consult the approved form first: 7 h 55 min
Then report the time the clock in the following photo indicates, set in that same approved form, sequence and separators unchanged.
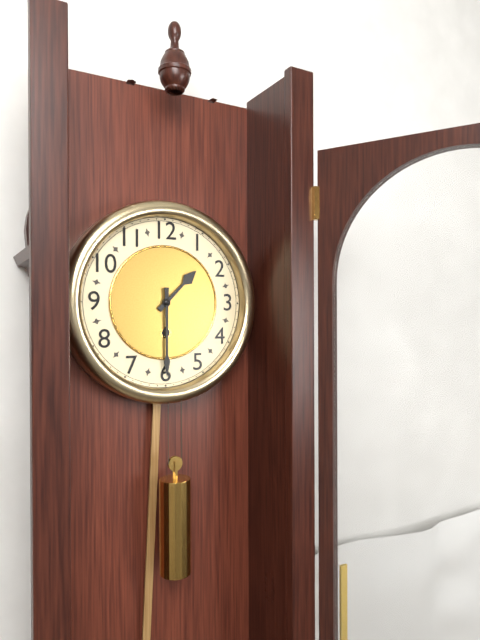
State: 1 h 30 min
